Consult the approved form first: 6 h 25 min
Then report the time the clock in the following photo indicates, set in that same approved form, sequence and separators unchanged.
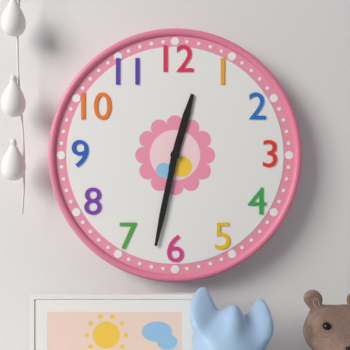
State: 12 h 32 min
